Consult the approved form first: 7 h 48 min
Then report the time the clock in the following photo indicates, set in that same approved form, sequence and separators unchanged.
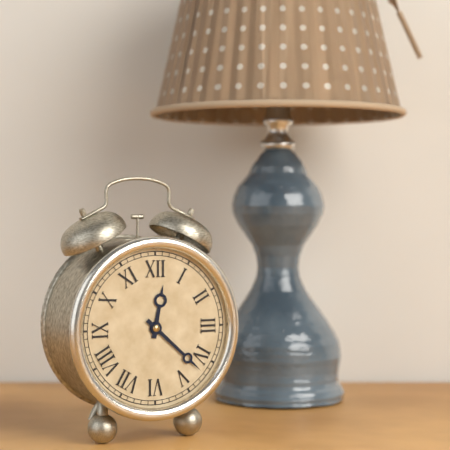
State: 12 h 22 min
